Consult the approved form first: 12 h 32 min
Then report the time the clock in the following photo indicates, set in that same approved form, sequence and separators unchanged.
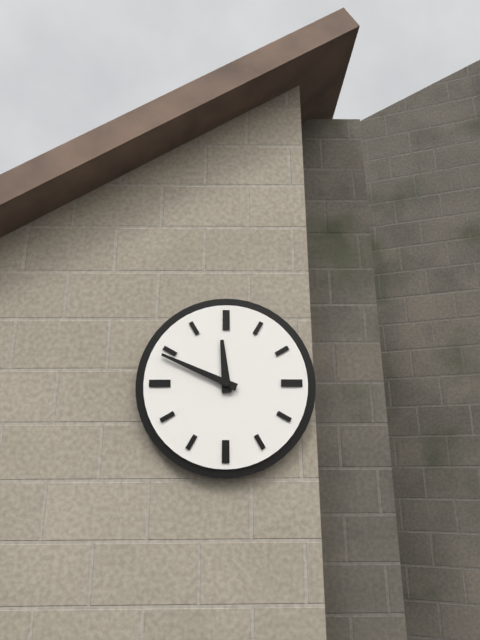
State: 11 h 49 min
